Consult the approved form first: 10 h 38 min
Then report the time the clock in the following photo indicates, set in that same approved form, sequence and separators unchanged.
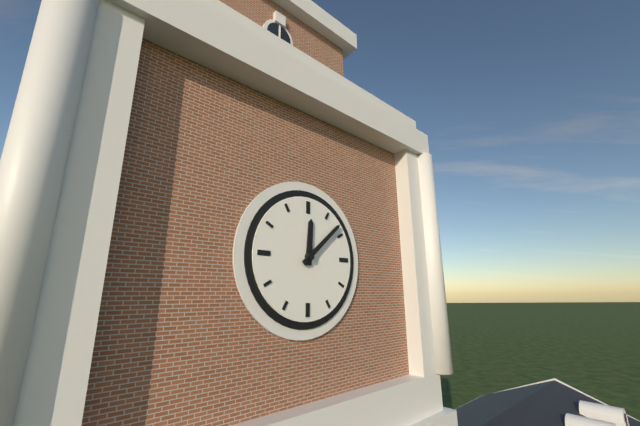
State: 12 h 08 min
